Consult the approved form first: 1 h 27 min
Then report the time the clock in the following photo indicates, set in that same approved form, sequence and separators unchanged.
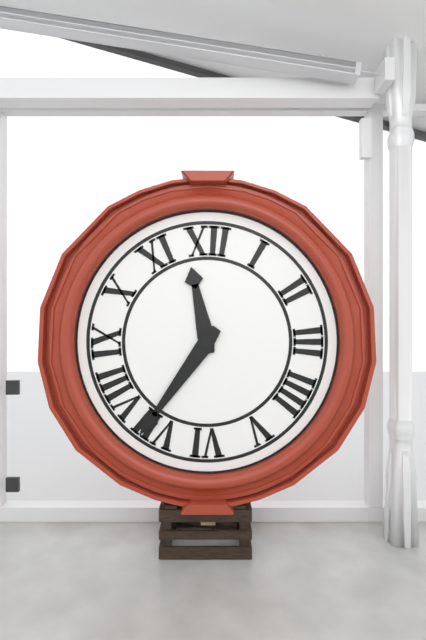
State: 11 h 36 min
